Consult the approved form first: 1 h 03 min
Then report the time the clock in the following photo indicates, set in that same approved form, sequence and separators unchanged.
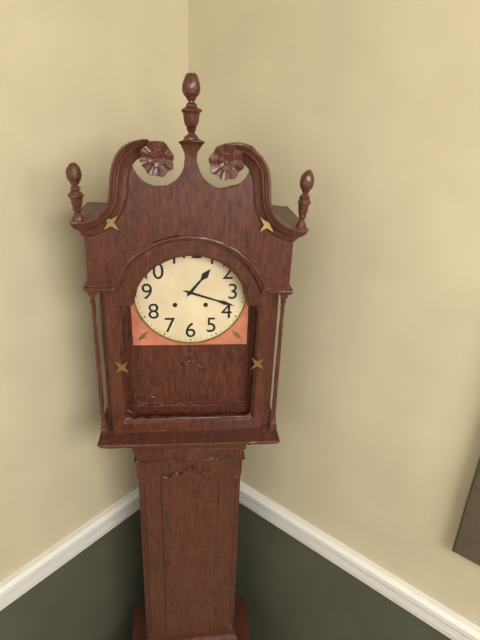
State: 1 h 18 min
